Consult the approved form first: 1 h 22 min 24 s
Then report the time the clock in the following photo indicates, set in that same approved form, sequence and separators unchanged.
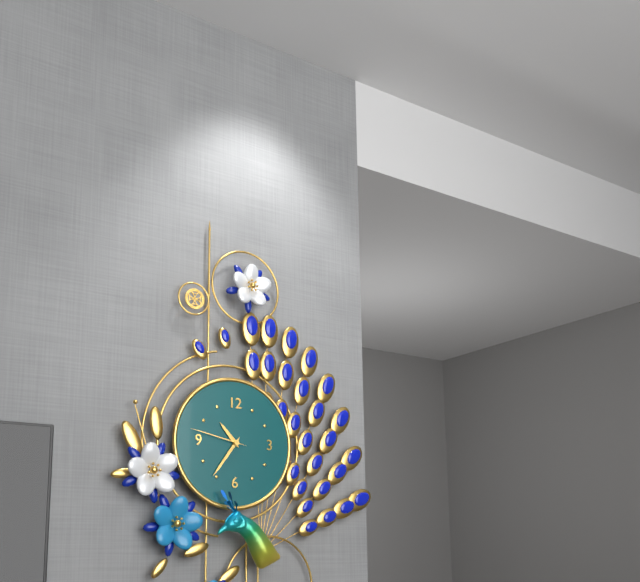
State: 10 h 36 min 47 s
